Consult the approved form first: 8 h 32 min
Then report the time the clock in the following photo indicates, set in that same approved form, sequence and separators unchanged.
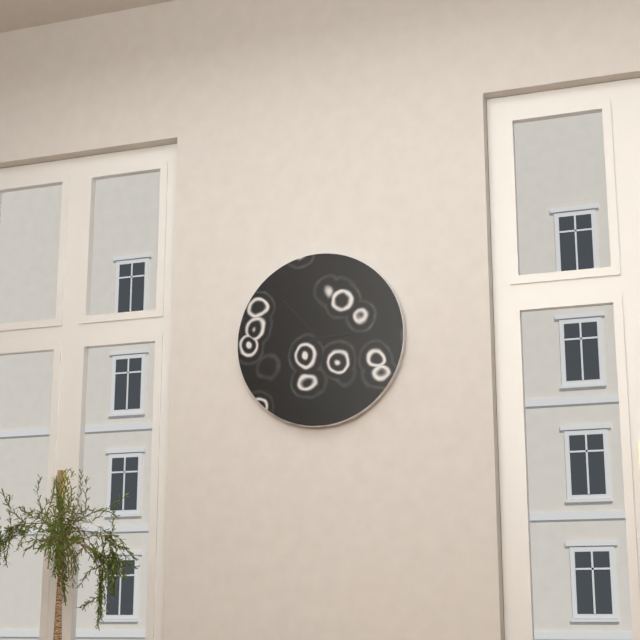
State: 2 h 53 min
